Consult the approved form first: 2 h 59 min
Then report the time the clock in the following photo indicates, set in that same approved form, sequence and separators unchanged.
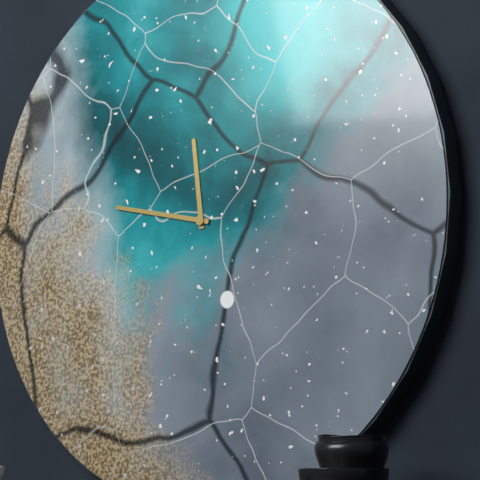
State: 11 h 47 min
